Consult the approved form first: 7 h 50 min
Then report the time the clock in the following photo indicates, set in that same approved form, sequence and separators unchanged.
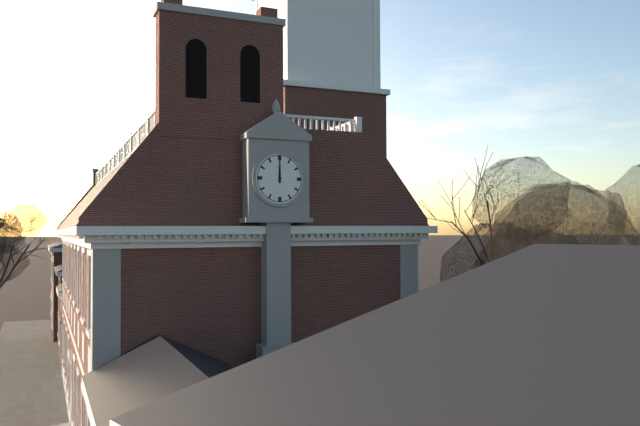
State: 12 h 00 min
